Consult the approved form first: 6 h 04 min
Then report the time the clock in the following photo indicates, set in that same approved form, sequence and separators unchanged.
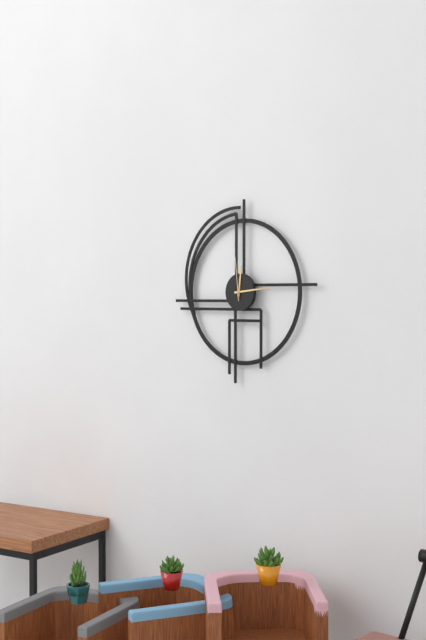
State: 12 h 14 min
